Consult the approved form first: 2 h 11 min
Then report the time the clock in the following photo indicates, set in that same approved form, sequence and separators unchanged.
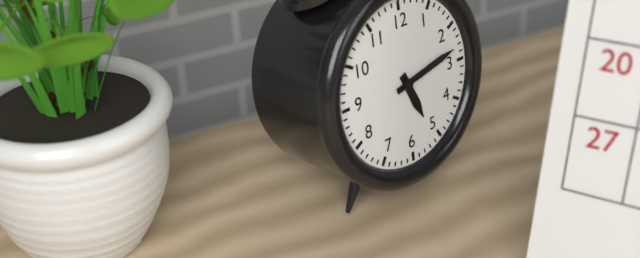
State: 5 h 13 min
